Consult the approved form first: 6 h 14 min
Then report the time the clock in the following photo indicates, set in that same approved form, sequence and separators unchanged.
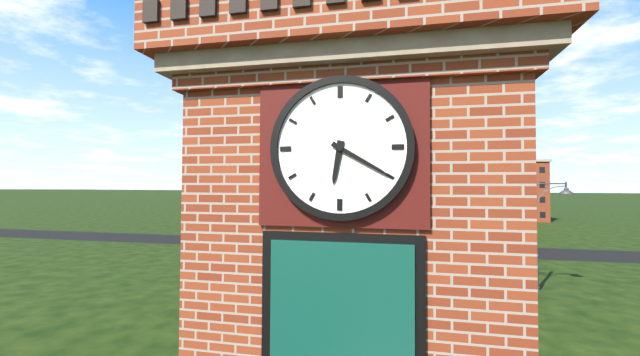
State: 6 h 20 min
